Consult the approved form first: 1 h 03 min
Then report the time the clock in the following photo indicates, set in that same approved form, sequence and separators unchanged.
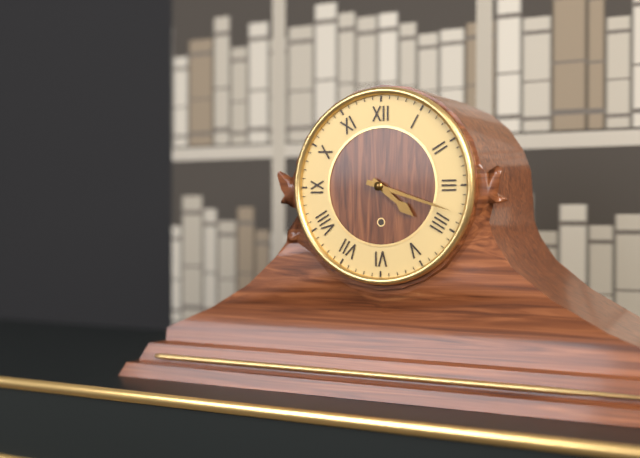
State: 4 h 18 min
